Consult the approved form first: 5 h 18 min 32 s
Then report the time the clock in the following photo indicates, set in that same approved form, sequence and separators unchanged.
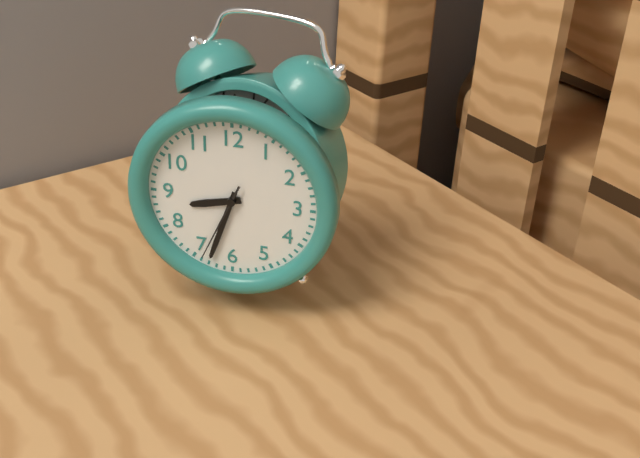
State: 8 h 33 min 34 s
